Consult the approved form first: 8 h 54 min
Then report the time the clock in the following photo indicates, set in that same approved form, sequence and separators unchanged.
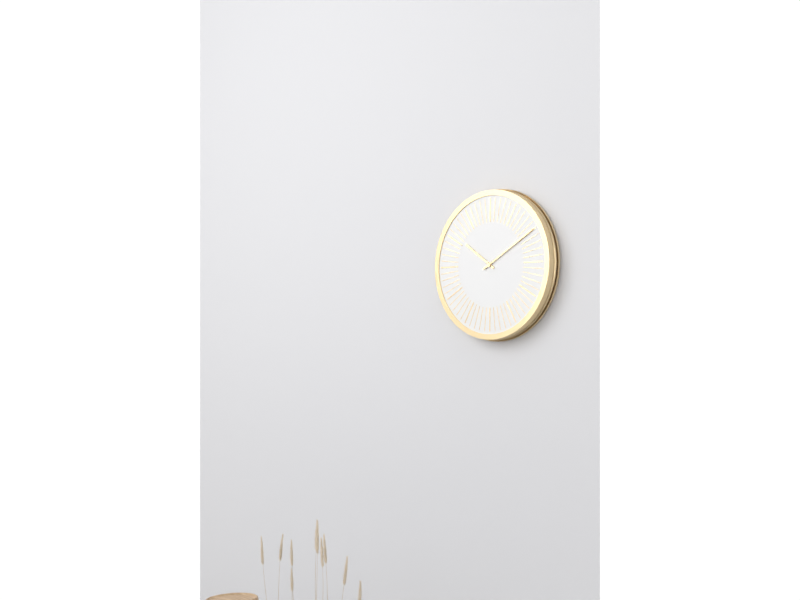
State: 10 h 10 min
